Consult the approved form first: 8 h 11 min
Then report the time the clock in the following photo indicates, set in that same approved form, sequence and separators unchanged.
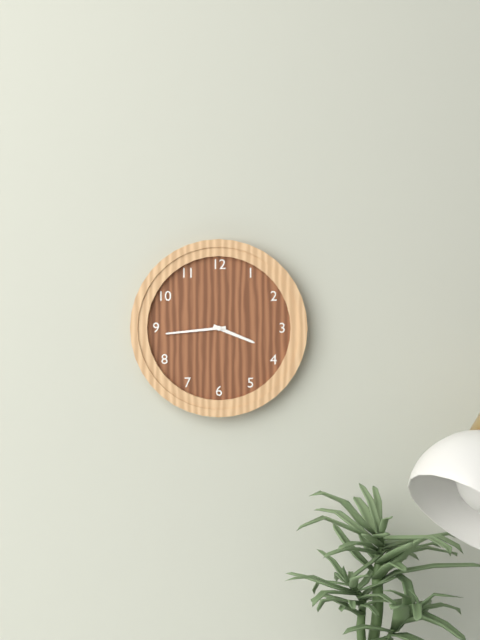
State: 3 h 44 min
